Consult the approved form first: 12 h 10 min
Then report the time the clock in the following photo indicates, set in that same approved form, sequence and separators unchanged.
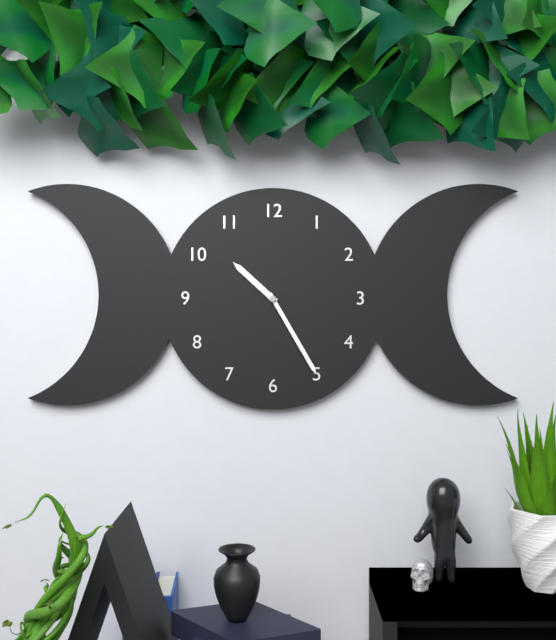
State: 10 h 25 min
